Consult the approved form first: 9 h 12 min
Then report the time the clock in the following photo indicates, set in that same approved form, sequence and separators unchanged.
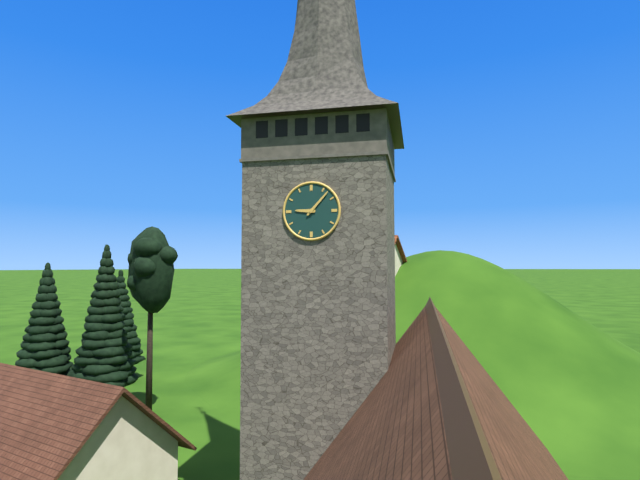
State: 9 h 07 min
